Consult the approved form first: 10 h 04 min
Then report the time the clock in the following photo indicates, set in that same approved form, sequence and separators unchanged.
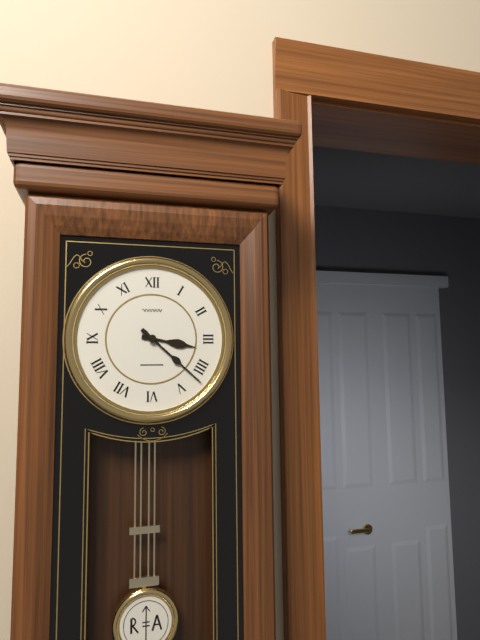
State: 3 h 22 min
